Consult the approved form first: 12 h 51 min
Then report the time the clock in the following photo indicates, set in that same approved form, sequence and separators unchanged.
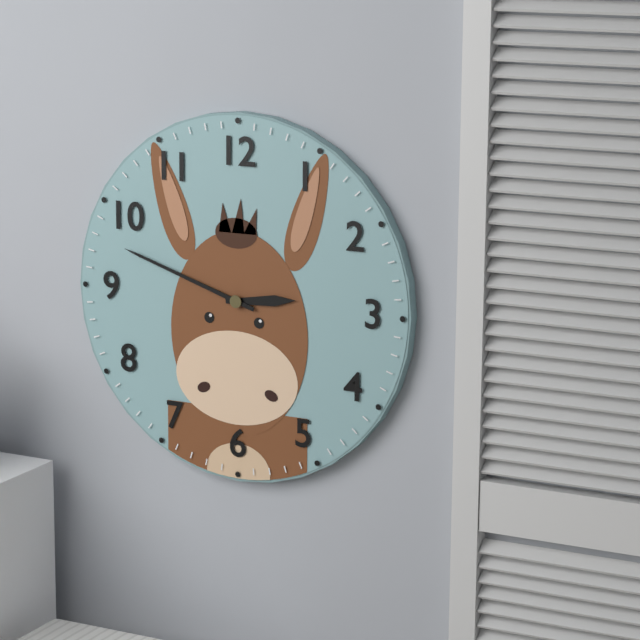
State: 2 h 48 min
